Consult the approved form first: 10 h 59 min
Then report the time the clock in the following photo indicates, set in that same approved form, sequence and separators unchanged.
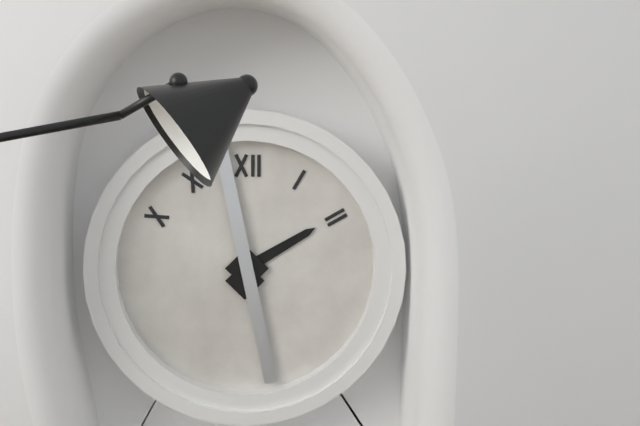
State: 1 h 58 min
